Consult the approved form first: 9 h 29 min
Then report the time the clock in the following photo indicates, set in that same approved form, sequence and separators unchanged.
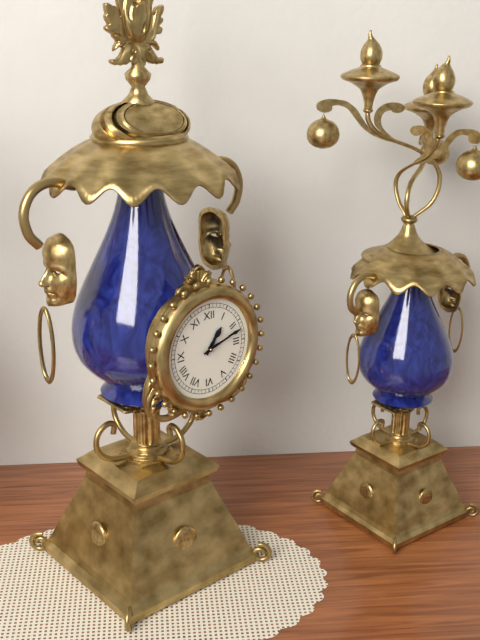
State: 1 h 12 min
